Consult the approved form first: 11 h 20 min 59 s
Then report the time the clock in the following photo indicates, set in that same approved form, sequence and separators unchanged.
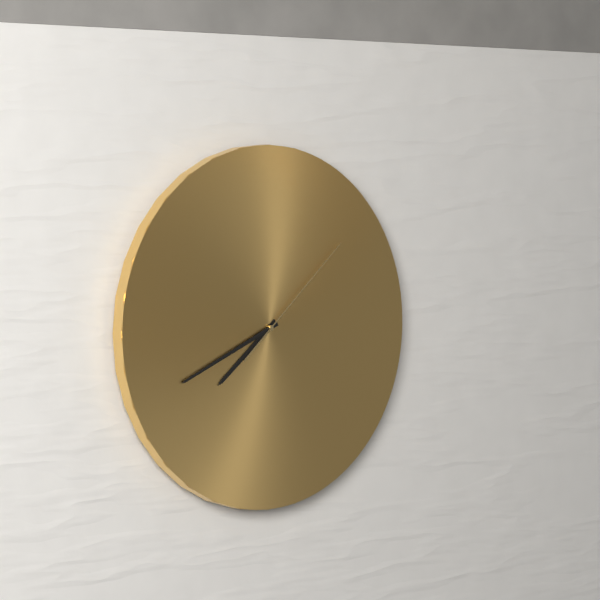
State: 7 h 41 min 08 s
